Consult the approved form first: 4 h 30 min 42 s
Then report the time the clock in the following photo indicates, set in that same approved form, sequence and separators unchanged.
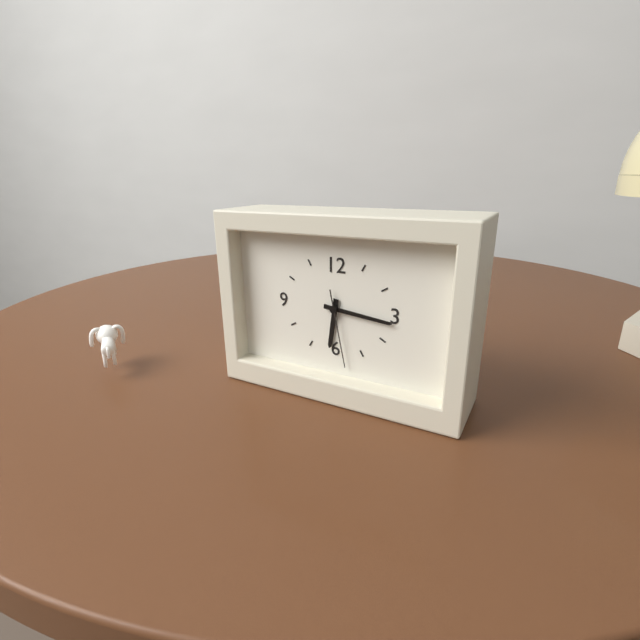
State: 6 h 16 min 28 s
